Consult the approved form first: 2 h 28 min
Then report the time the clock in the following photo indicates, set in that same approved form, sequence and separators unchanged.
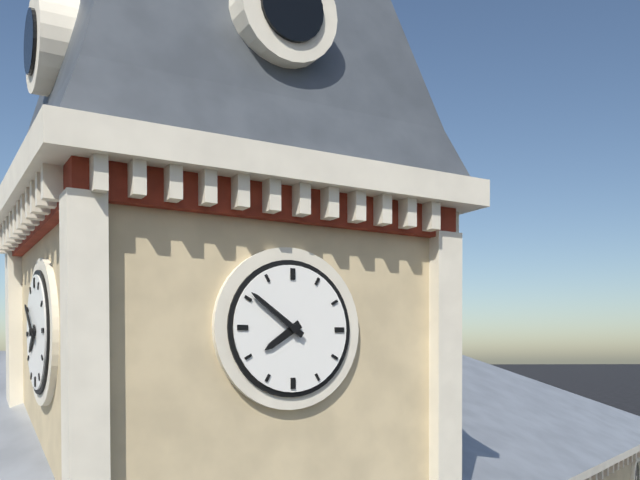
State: 7 h 51 min
